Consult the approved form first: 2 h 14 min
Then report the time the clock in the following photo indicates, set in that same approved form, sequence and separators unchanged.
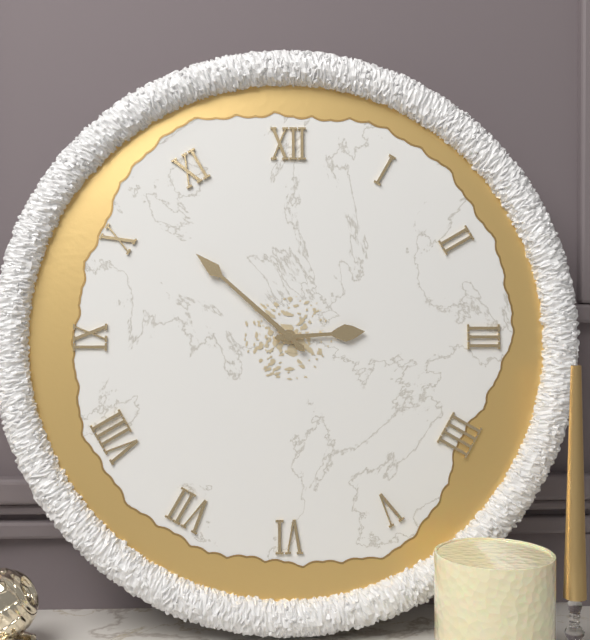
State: 2 h 52 min
